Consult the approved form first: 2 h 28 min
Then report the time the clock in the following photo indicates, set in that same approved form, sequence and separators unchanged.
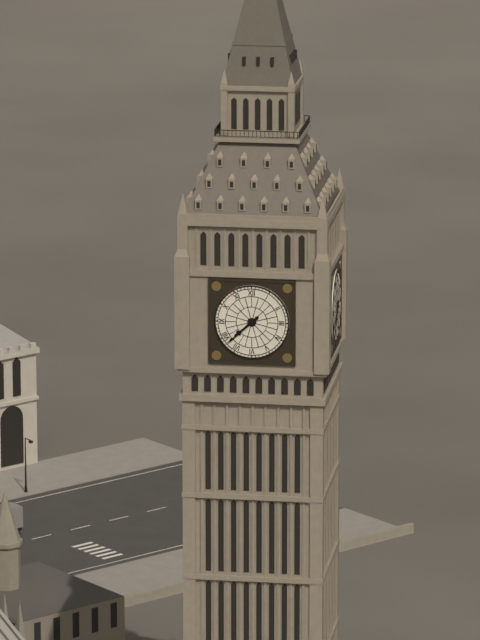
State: 7 h 38 min
